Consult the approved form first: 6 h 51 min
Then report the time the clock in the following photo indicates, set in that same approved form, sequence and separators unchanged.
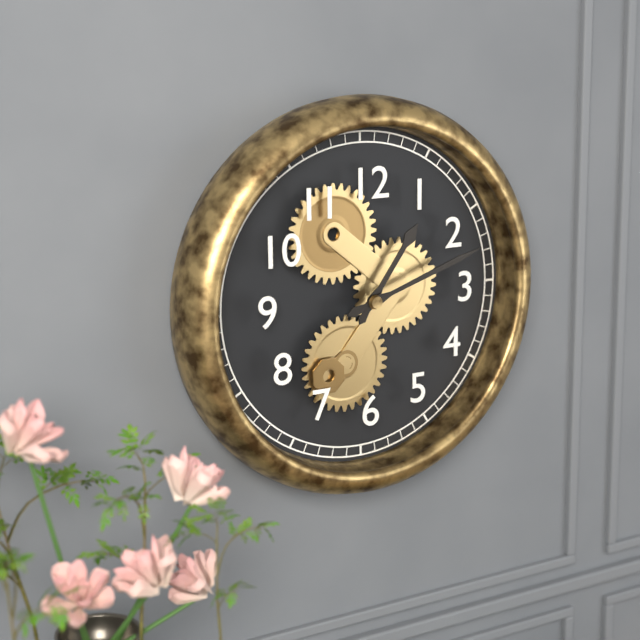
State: 1 h 12 min
